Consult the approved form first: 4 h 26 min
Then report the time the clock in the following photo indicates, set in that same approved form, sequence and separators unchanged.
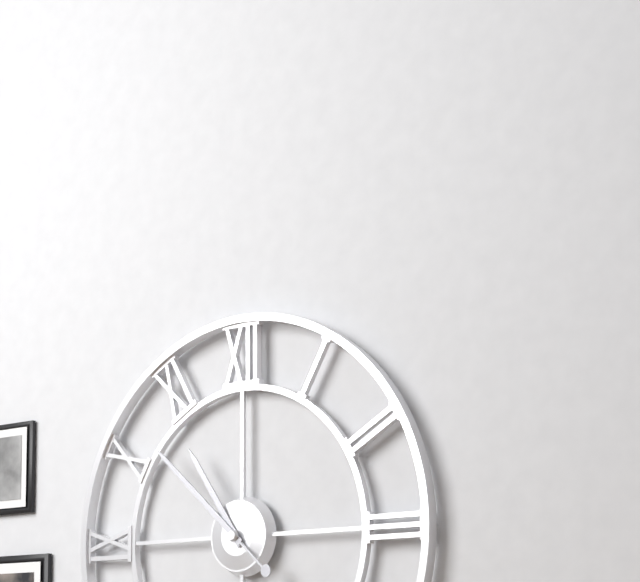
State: 10 h 52 min
